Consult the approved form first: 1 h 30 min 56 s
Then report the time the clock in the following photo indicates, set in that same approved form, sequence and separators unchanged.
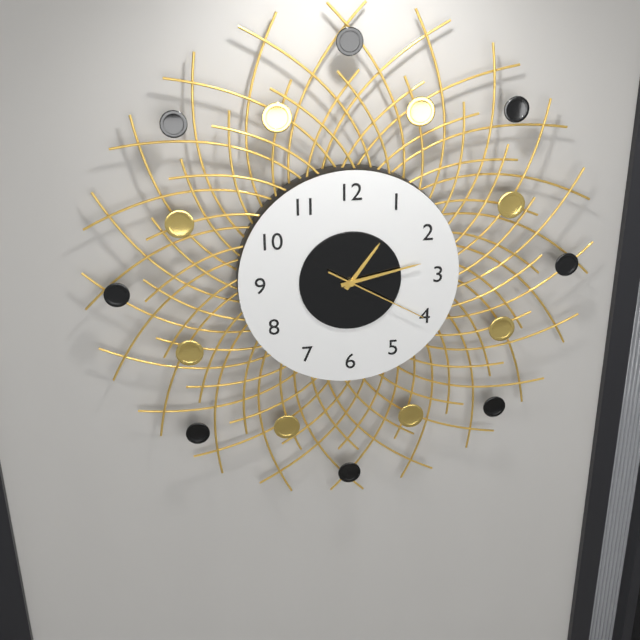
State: 1 h 13 min 20 s
